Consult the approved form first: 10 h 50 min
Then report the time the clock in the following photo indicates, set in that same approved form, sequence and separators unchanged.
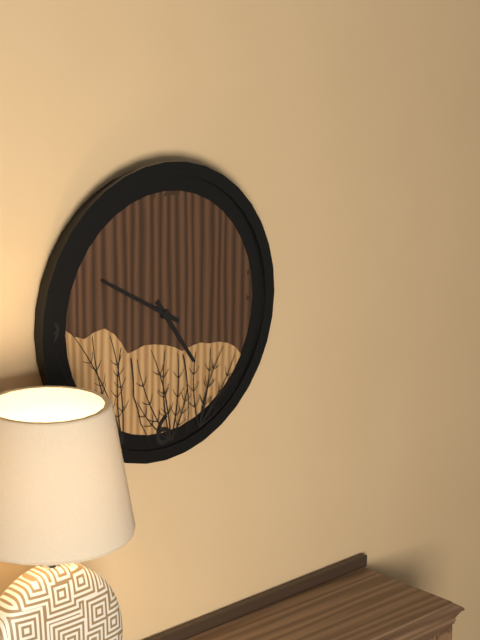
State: 4 h 50 min
